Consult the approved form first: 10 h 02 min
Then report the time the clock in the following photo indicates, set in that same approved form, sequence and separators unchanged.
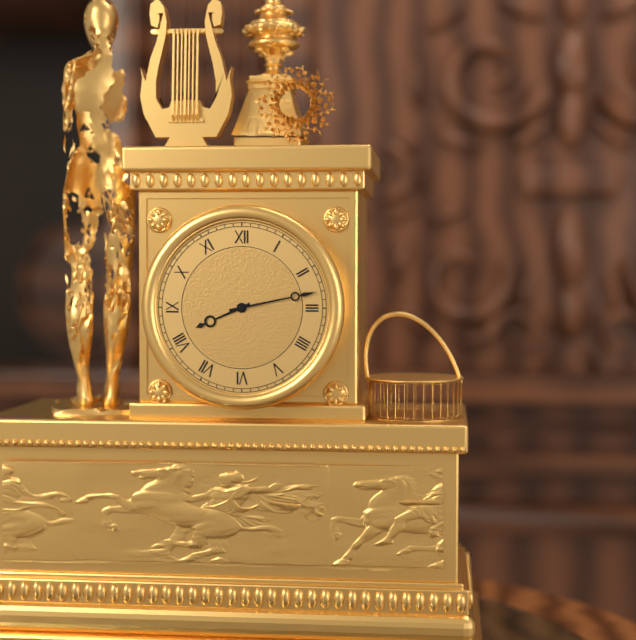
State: 8 h 13 min
